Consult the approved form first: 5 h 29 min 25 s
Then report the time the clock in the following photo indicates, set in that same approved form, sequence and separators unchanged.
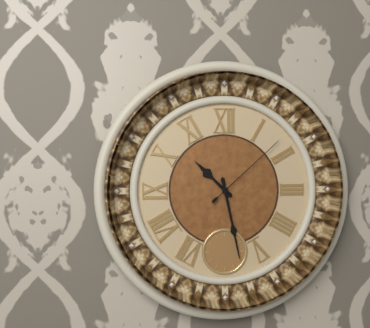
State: 10 h 28 min 08 s
